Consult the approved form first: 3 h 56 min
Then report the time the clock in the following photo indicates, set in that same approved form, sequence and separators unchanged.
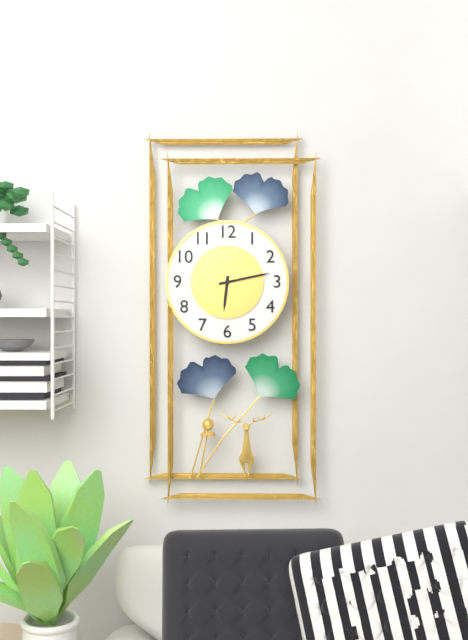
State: 6 h 13 min
